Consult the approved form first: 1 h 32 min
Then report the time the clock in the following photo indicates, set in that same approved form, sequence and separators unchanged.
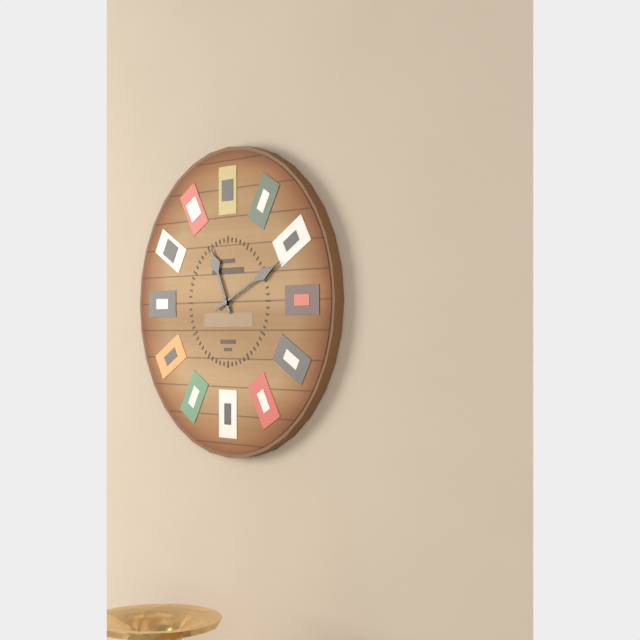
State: 11 h 11 min
